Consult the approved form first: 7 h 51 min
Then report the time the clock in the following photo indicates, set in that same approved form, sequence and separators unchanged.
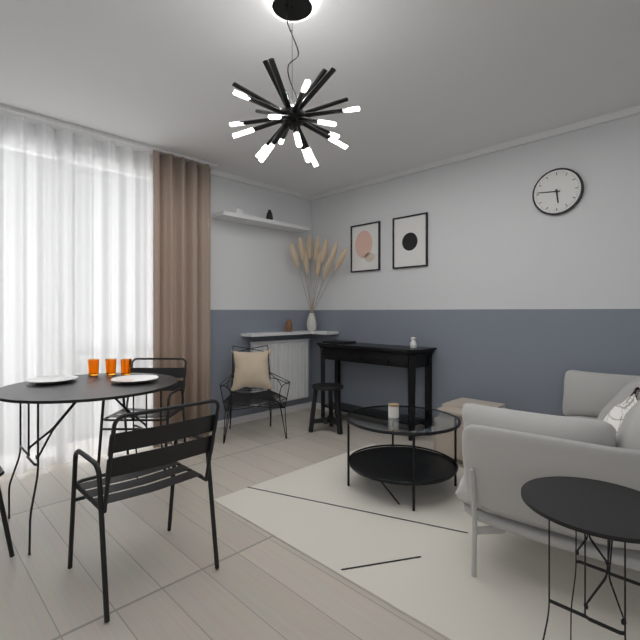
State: 5 h 46 min
